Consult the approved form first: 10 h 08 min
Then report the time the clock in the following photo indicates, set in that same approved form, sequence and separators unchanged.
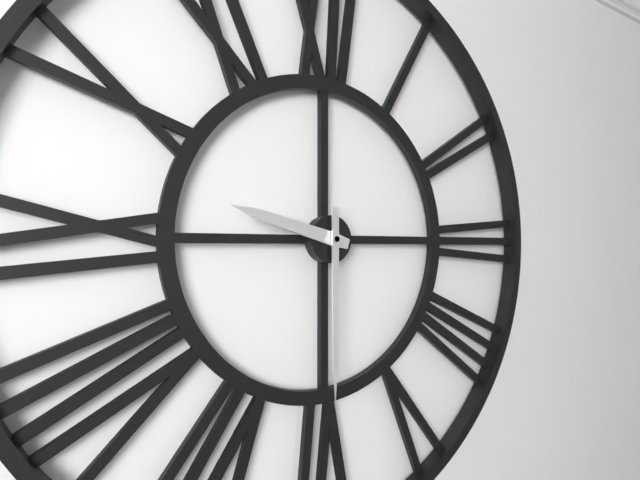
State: 9 h 30 min
